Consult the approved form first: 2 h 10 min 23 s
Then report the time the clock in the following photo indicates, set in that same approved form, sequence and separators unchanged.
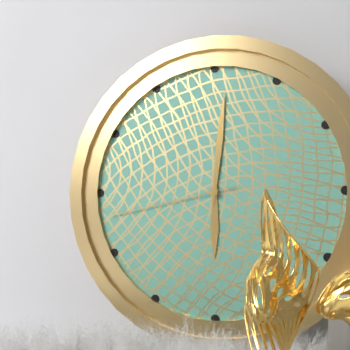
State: 6 h 01 min 43 s
